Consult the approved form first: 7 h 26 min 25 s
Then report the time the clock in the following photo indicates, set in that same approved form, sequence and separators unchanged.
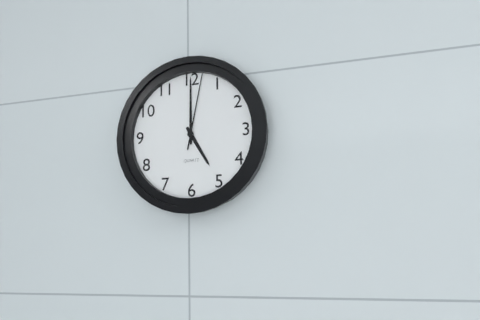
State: 5 h 00 min 02 s
